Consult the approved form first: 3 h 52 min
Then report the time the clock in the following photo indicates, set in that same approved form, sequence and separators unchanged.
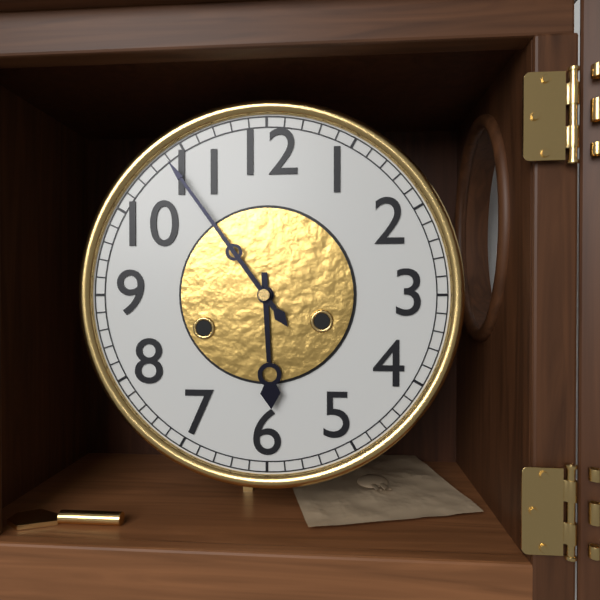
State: 5 h 54 min
